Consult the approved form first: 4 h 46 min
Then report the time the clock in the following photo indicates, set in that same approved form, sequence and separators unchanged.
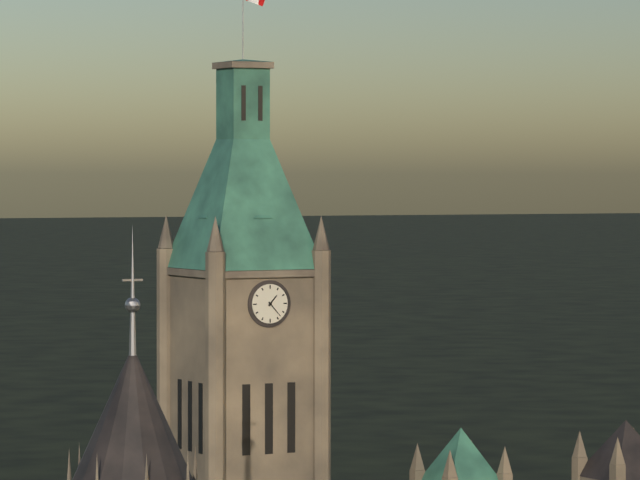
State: 1 h 23 min
